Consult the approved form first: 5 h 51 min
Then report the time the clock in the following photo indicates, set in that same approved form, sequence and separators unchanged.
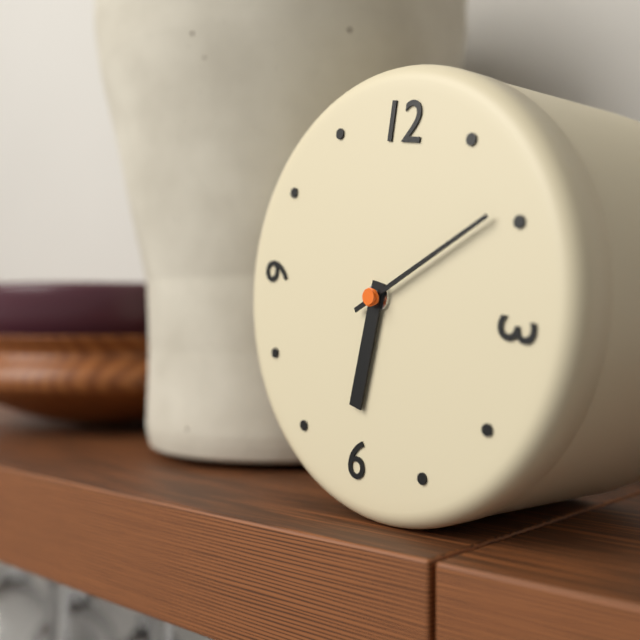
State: 6 h 09 min
